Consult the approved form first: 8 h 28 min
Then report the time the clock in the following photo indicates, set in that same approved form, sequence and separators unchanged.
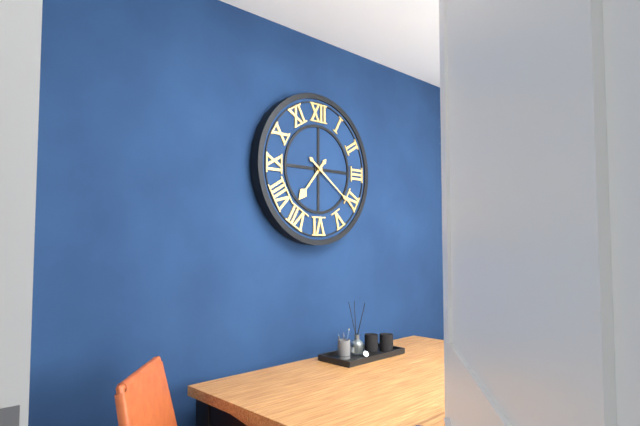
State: 7 h 21 min
